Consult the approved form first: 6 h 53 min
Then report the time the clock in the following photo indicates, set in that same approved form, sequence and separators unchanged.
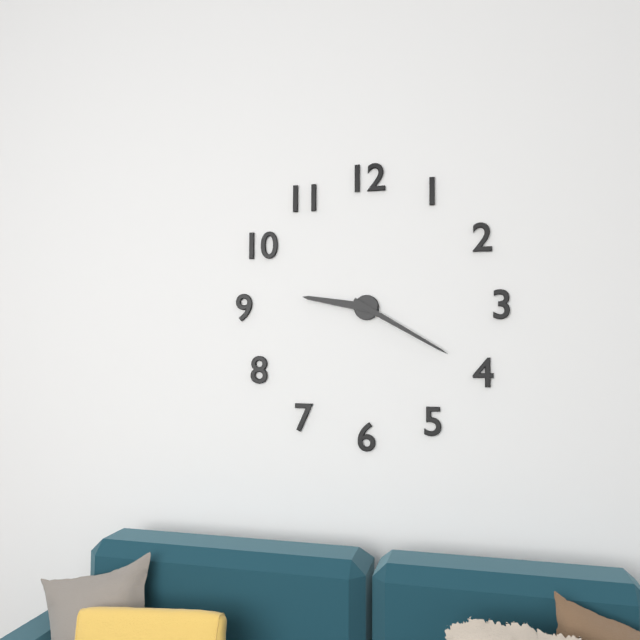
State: 9 h 20 min
